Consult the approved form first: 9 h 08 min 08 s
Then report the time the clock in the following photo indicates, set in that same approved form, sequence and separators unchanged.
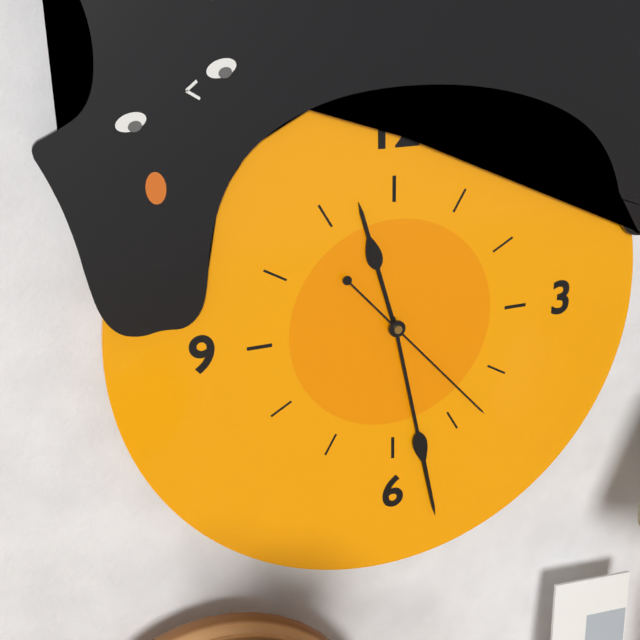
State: 11 h 28 min 23 s
